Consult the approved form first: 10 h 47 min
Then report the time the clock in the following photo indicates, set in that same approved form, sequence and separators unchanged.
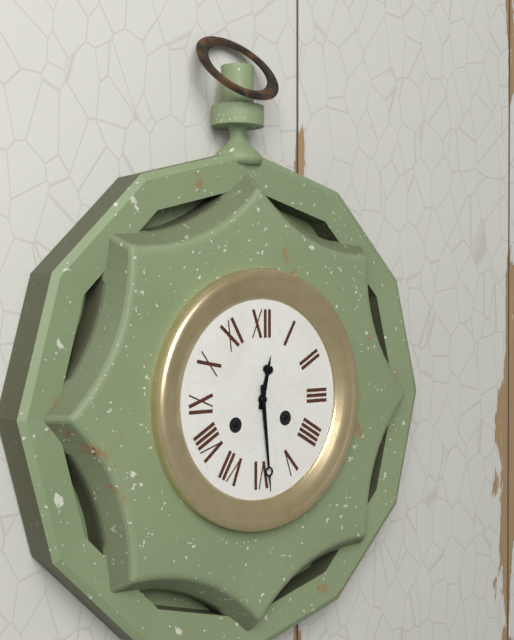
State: 12 h 29 min
